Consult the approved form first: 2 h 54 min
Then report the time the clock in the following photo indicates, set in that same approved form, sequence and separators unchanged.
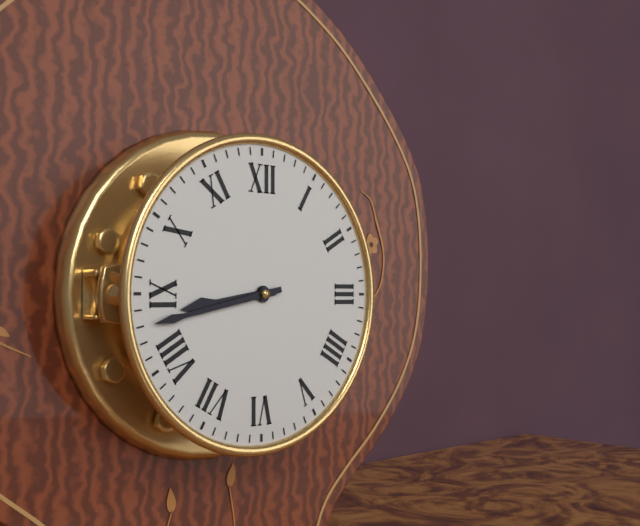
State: 8 h 43 min
